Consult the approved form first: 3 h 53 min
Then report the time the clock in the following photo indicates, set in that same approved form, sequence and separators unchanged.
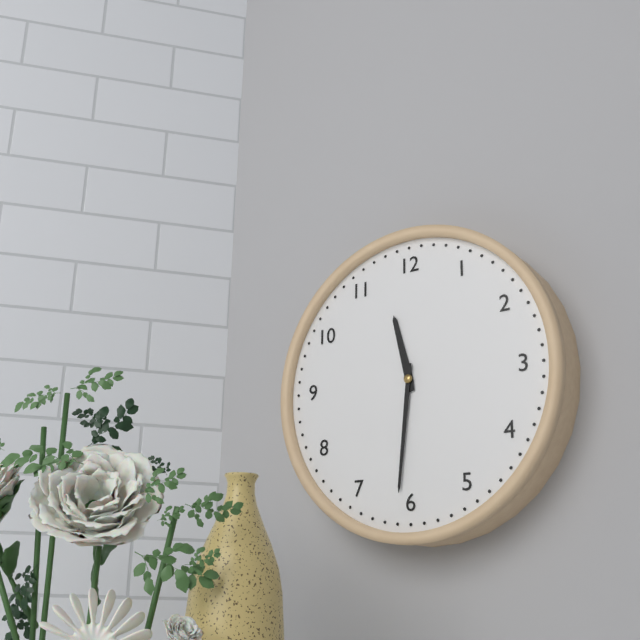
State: 11 h 31 min
